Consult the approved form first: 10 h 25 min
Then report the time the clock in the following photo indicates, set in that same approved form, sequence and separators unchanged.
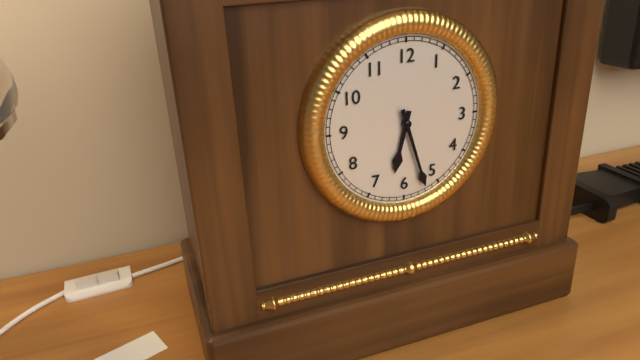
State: 6 h 27 min
